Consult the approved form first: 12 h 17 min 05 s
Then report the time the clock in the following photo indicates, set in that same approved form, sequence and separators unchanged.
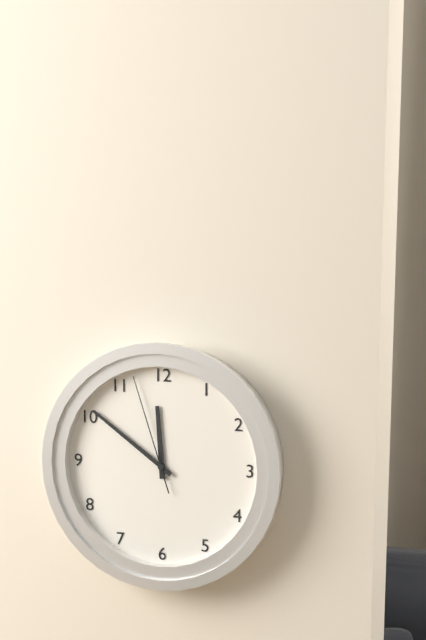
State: 11 h 51 min 57 s
